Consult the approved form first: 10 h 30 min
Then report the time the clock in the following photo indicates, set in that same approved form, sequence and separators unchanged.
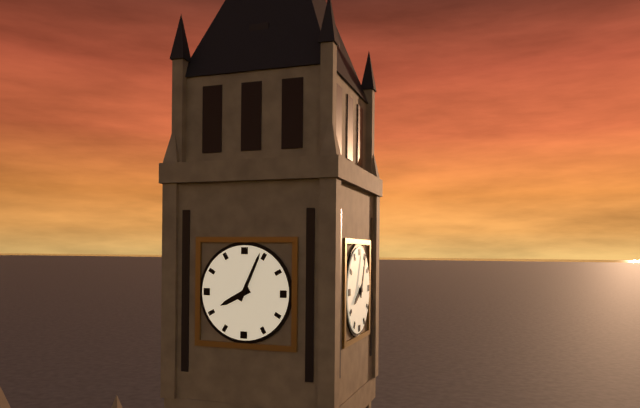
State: 8 h 04 min
